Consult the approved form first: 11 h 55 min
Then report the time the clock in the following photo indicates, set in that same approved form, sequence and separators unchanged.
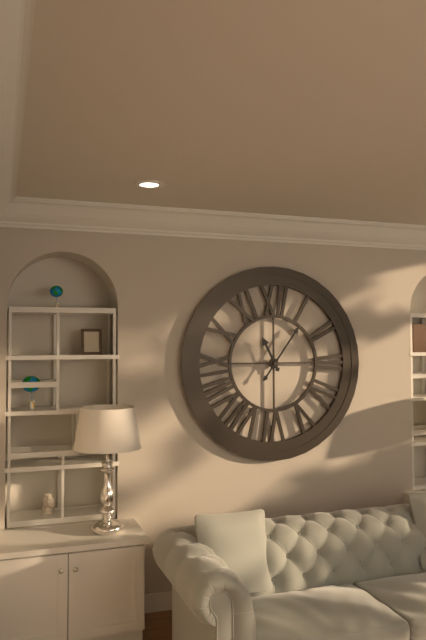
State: 11 h 06 min
